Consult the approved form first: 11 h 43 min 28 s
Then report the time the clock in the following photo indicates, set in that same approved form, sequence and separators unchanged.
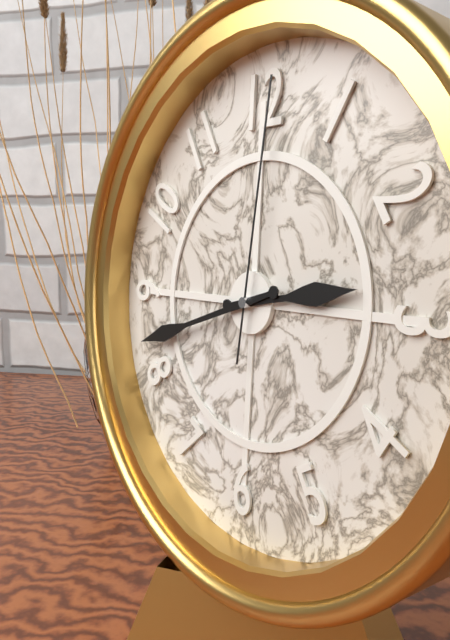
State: 2 h 42 min 01 s
